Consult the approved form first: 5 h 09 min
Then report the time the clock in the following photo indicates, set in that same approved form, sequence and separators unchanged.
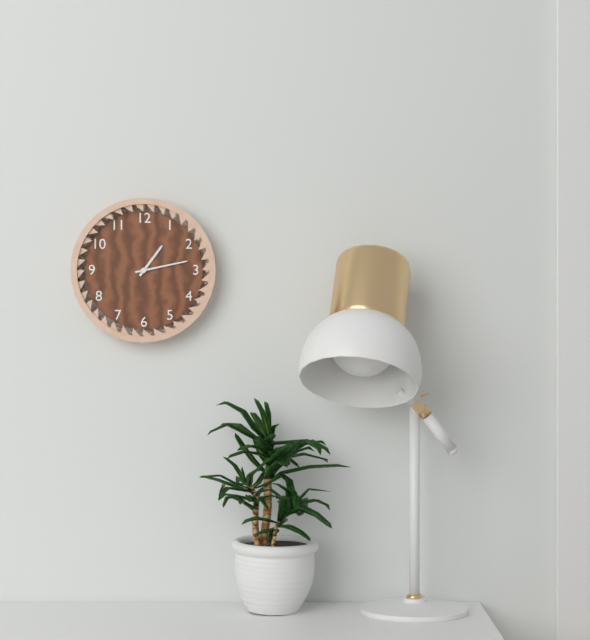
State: 1 h 13 min
